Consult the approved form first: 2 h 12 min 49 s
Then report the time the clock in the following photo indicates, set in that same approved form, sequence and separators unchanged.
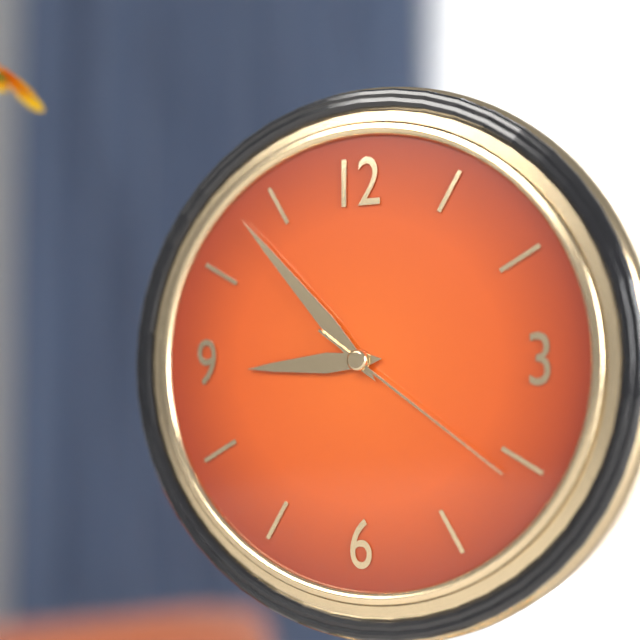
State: 8 h 53 min 21 s
